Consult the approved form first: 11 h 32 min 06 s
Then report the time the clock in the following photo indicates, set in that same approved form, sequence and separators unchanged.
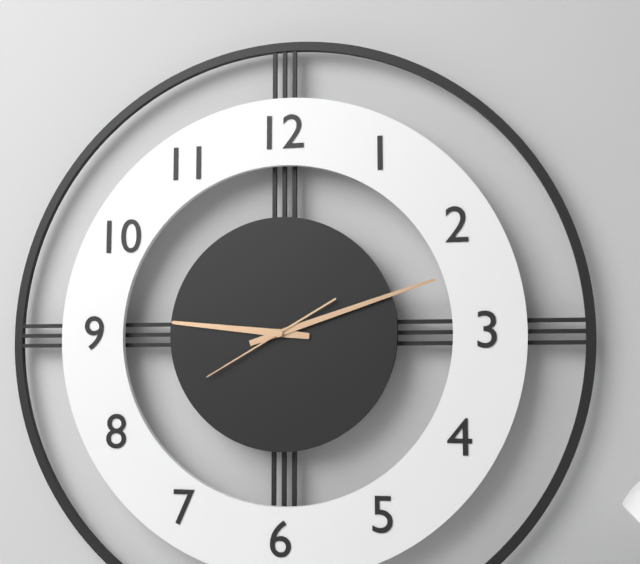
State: 9 h 12 min 40 s
